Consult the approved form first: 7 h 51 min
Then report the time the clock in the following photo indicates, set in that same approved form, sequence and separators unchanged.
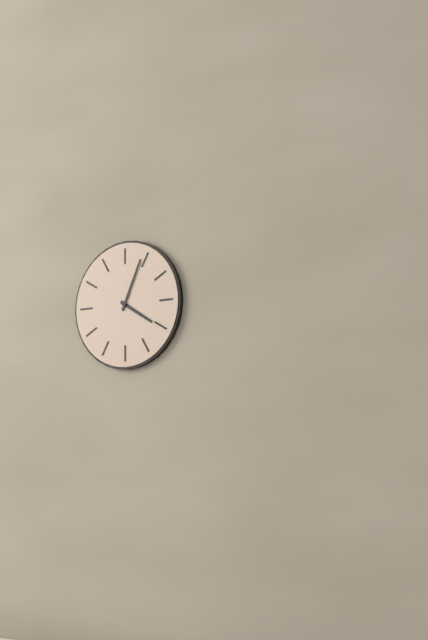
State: 4 h 04 min
